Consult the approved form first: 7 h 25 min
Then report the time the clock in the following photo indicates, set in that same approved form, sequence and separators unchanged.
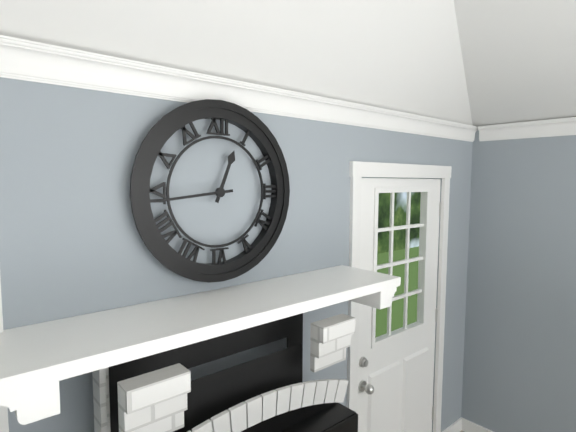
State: 12 h 44 min
